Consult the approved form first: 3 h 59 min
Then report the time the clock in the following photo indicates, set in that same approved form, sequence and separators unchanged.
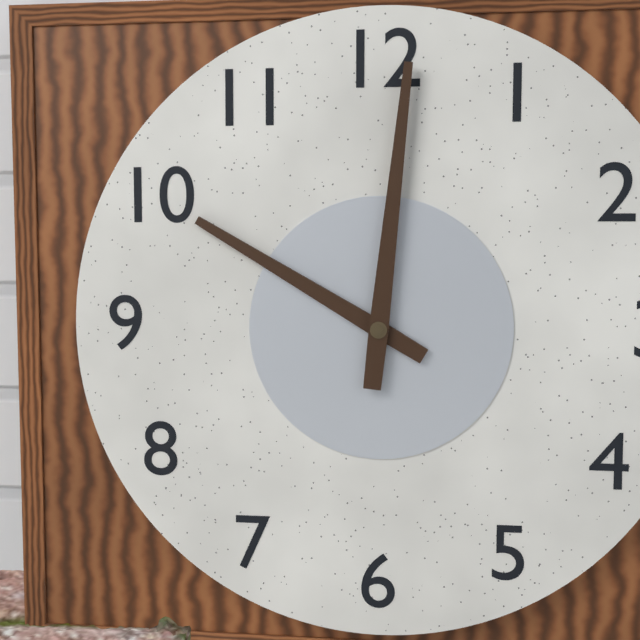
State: 10 h 01 min
